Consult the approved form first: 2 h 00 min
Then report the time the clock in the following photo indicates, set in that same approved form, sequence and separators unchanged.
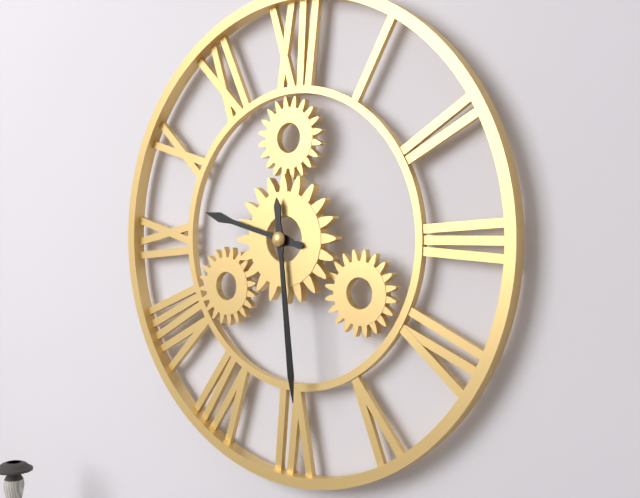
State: 9 h 29 min
